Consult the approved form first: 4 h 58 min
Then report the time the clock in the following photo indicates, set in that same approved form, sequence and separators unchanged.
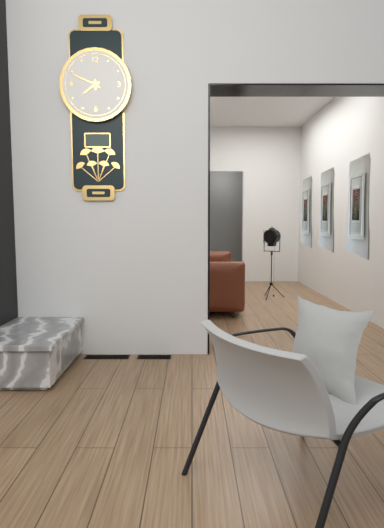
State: 7 h 49 min
